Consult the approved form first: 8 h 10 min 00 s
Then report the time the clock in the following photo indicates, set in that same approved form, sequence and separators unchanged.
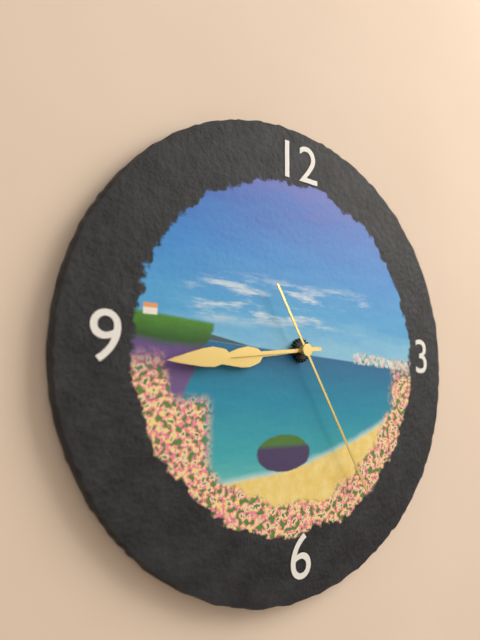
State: 8 h 44 min 25 s
